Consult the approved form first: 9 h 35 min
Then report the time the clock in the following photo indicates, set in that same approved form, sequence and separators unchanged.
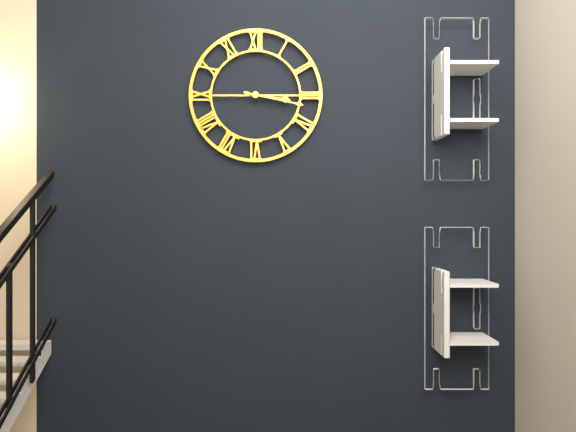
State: 3 h 17 min
